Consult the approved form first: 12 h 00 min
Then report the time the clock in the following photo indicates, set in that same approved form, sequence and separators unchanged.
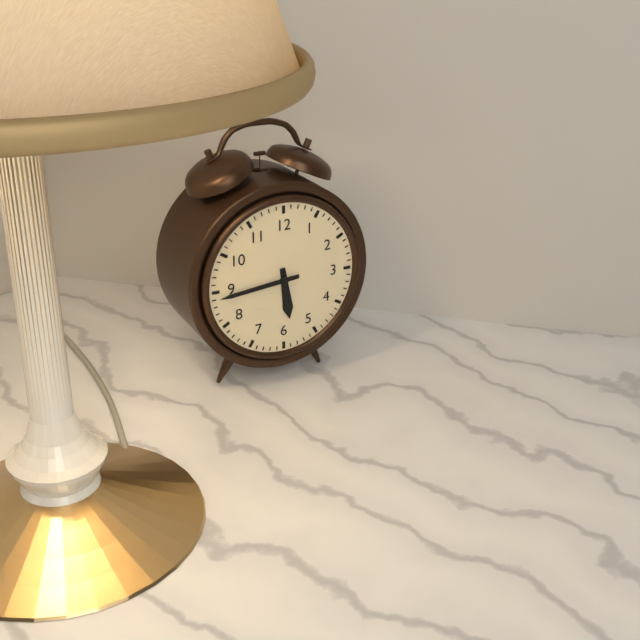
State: 5 h 44 min
